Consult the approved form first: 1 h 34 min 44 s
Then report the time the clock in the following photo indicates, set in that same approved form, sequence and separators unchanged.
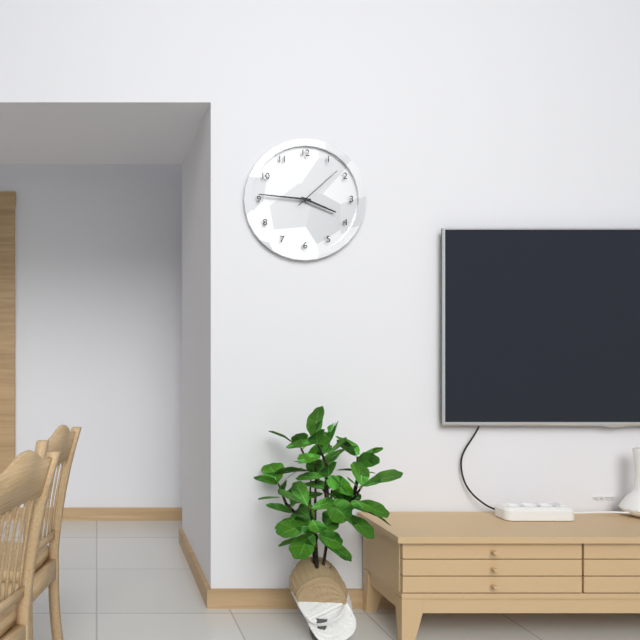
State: 3 h 46 min 08 s
